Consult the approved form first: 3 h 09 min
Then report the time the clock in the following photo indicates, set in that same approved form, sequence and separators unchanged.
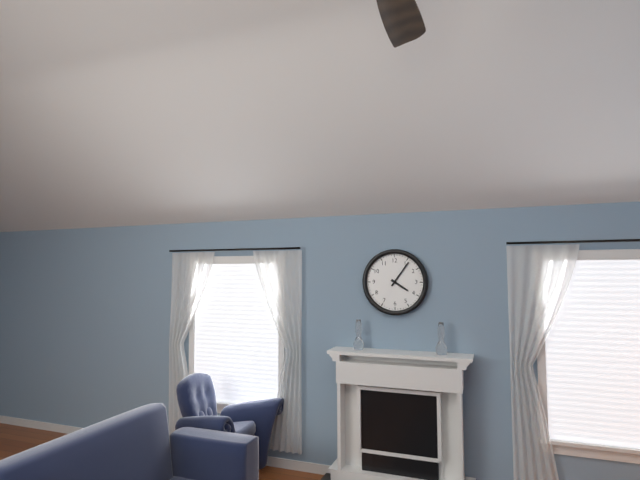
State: 4 h 06 min
